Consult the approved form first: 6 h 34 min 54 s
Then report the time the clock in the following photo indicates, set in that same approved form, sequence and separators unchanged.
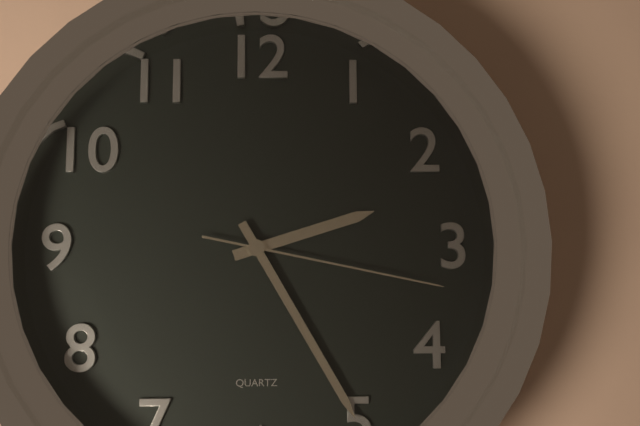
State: 2 h 25 min 17 s
